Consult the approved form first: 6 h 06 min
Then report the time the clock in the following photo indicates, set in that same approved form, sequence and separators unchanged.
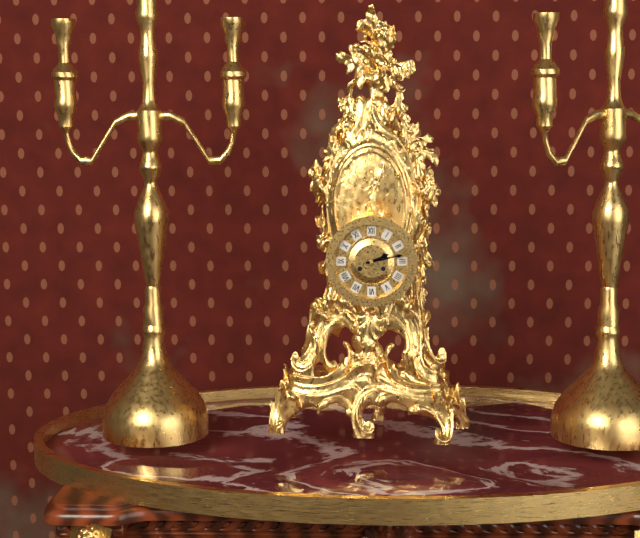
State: 2 h 13 min
